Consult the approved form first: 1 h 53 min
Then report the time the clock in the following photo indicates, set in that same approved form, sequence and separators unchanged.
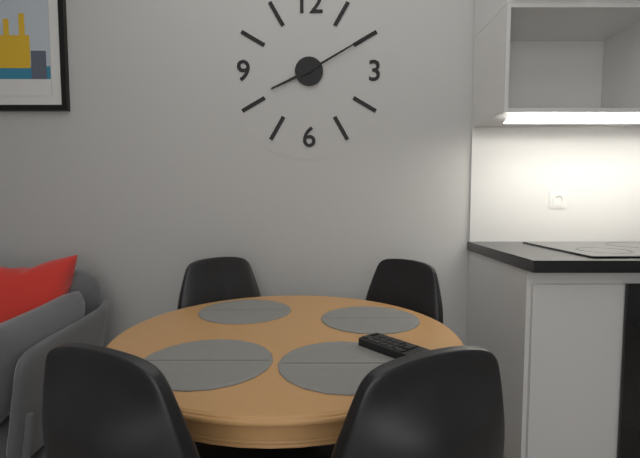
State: 8 h 10 min
